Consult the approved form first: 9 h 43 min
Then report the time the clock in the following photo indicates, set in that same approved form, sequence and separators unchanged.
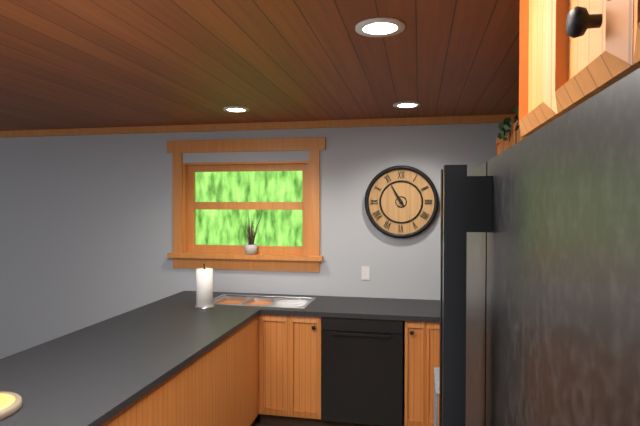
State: 10 h 55 min
